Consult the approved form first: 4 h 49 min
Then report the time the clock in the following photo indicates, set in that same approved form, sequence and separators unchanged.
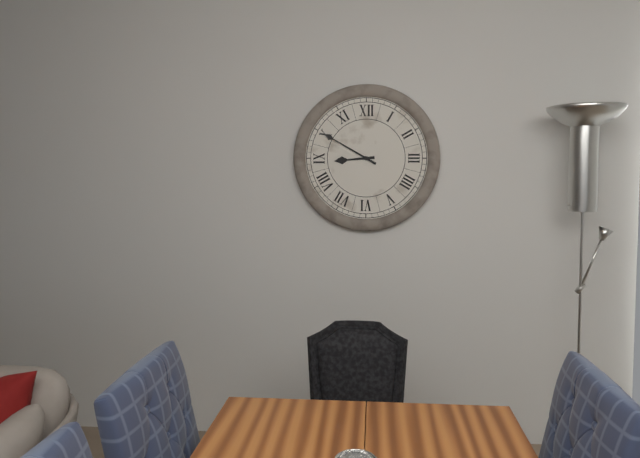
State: 8 h 50 min
